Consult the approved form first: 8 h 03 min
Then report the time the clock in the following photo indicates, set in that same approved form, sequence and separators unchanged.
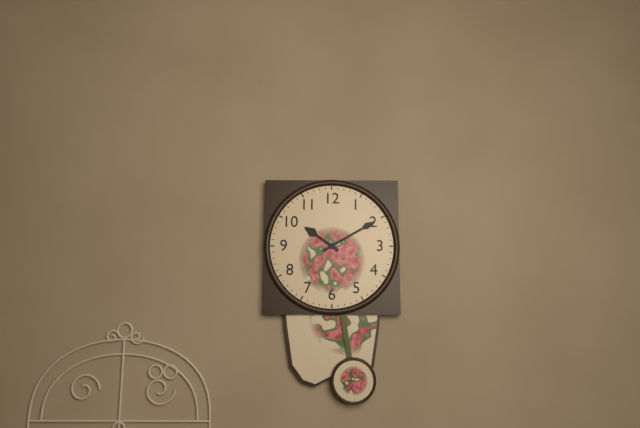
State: 10 h 10 min
